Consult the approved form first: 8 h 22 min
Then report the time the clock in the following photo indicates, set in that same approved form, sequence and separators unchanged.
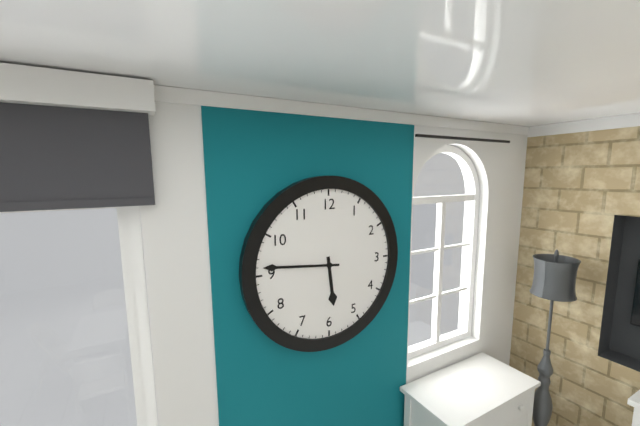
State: 5 h 46 min
